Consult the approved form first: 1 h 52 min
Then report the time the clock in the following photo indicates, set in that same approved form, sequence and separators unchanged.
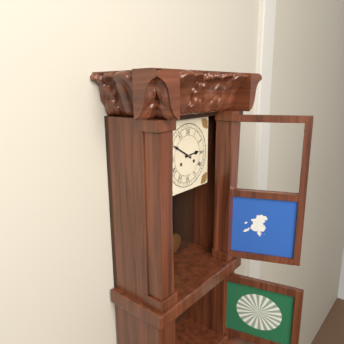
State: 2 h 50 min
